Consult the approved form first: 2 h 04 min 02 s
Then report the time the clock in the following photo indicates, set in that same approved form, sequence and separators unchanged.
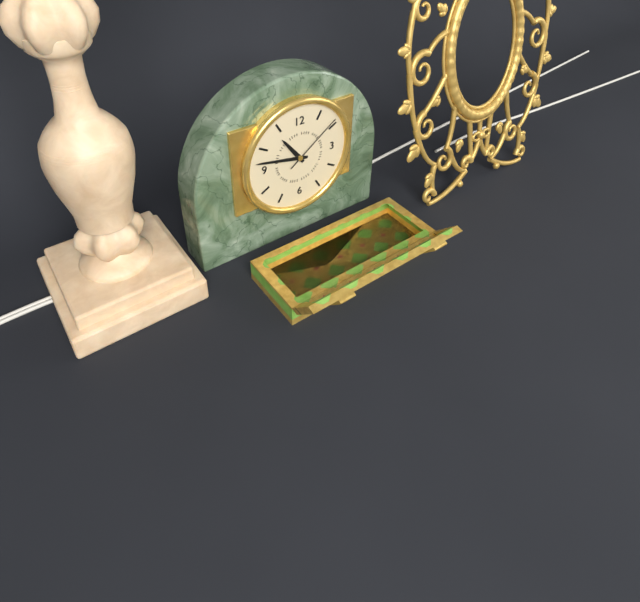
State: 10 h 47 min 09 s
